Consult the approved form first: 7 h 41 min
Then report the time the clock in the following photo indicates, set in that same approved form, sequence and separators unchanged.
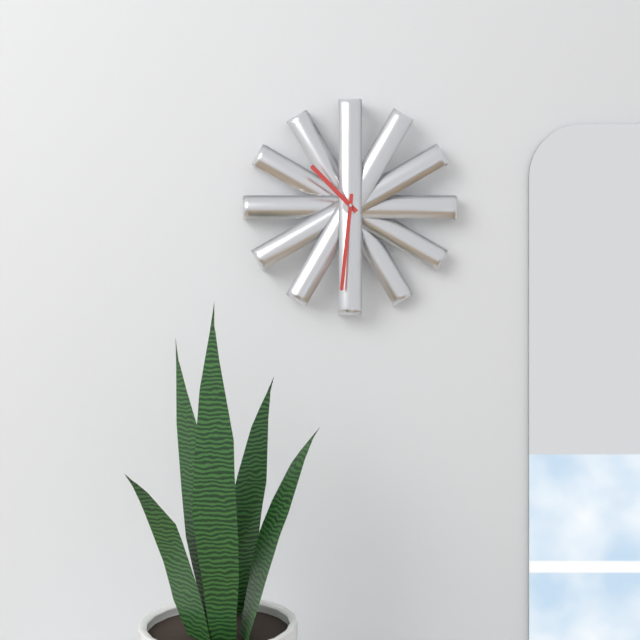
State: 10 h 31 min
